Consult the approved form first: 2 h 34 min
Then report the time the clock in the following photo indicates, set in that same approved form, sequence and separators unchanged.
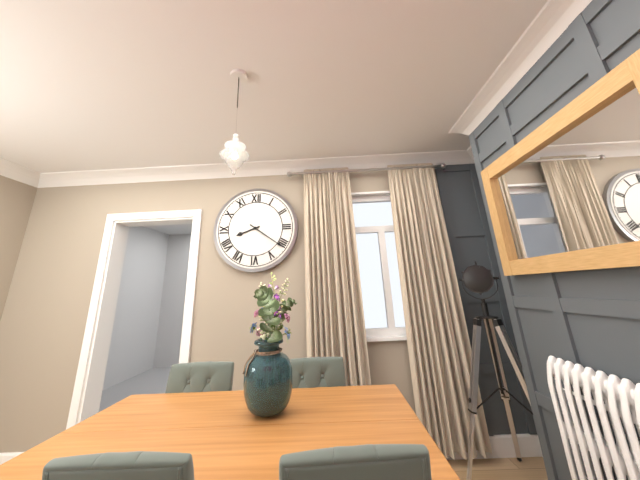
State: 8 h 21 min
